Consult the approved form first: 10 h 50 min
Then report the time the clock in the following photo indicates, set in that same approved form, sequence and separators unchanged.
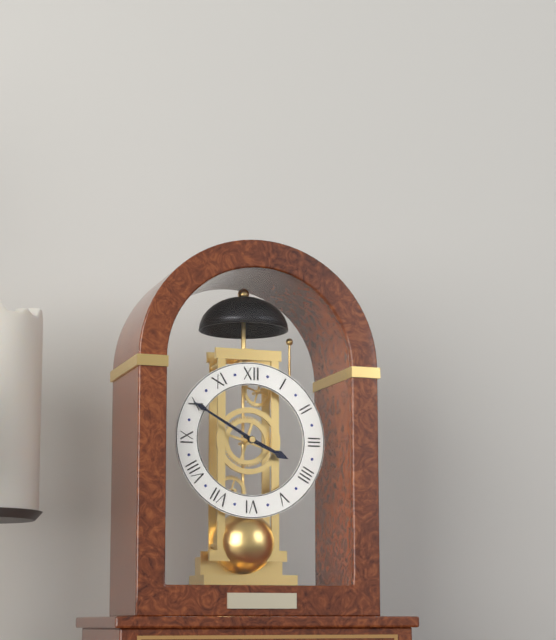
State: 3 h 50 min
